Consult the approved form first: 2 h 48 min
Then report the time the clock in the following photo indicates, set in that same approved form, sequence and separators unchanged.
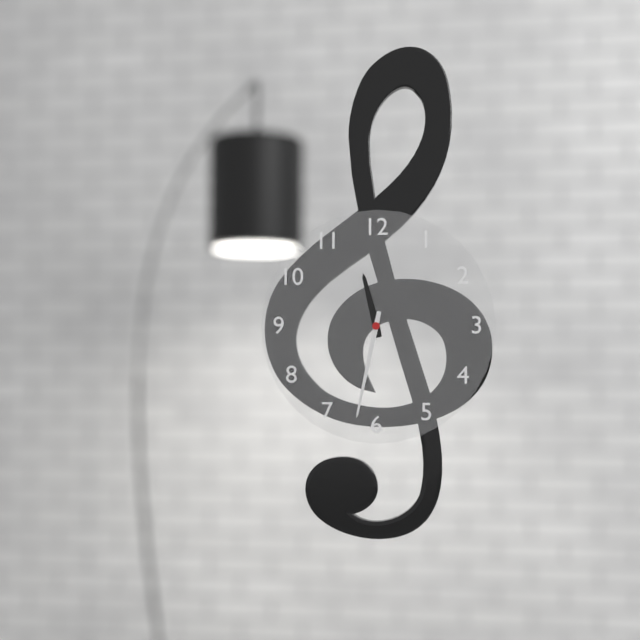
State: 11 h 32 min
